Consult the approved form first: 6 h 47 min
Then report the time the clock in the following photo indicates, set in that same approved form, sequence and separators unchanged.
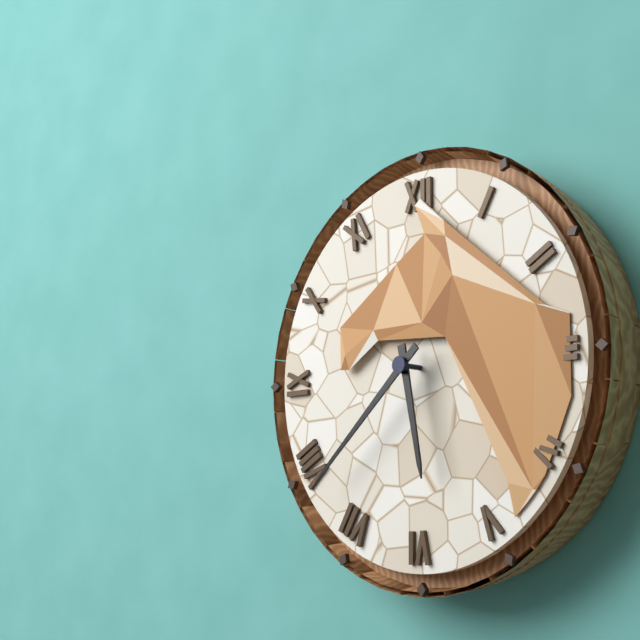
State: 5 h 38 min
